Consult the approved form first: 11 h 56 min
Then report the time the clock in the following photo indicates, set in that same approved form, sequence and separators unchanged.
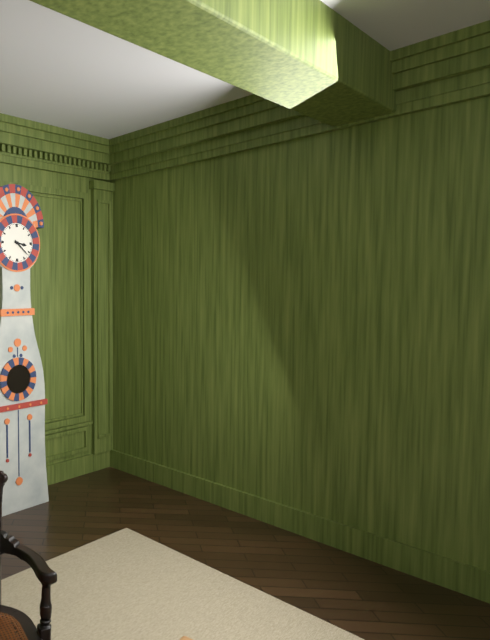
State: 3 h 22 min
